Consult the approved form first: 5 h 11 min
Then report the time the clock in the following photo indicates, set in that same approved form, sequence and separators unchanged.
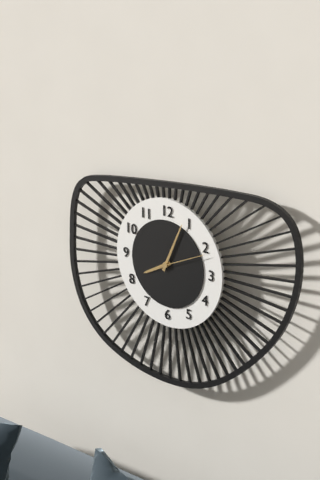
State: 8 h 04 min
